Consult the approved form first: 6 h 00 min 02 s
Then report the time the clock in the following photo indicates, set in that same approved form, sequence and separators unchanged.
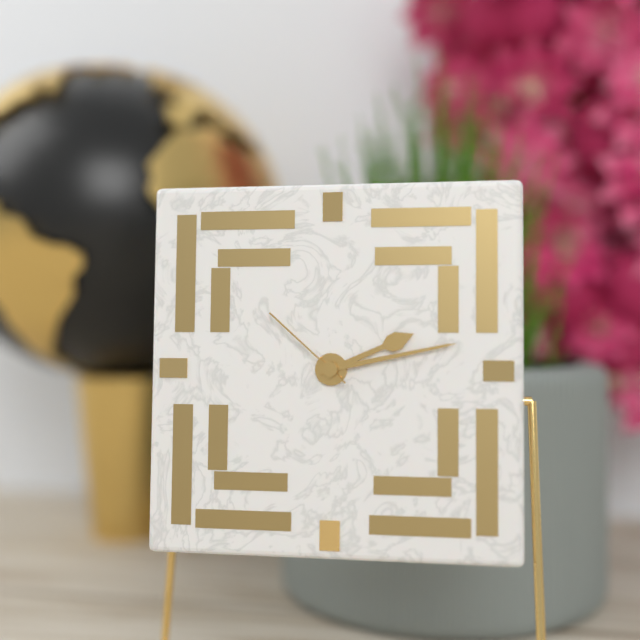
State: 2 h 13 min 52 s
